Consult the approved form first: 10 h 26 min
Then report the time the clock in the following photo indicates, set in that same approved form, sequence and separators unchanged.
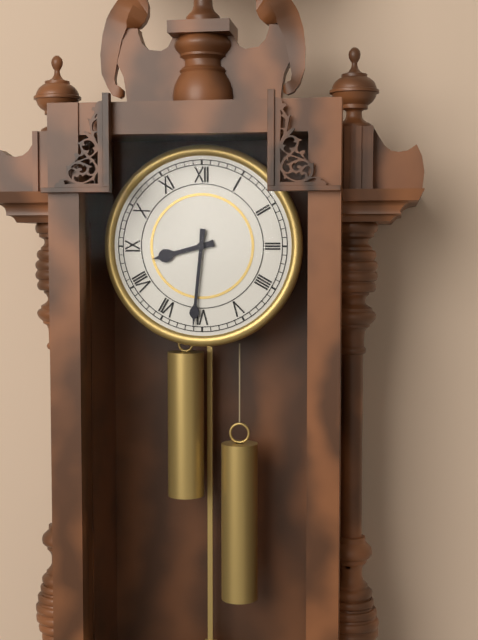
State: 8 h 31 min
